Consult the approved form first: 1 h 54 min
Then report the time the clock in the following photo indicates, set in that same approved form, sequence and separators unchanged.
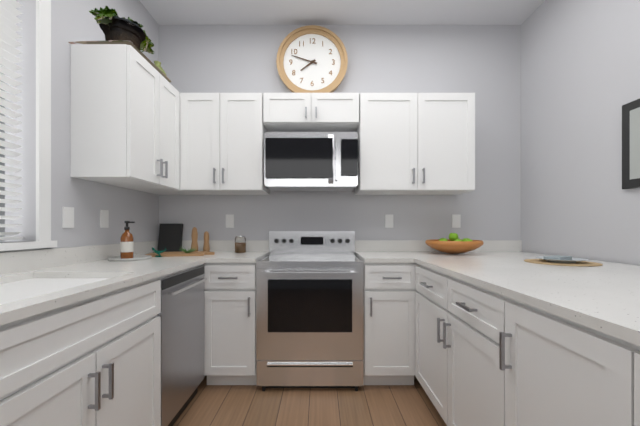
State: 7 h 48 min
